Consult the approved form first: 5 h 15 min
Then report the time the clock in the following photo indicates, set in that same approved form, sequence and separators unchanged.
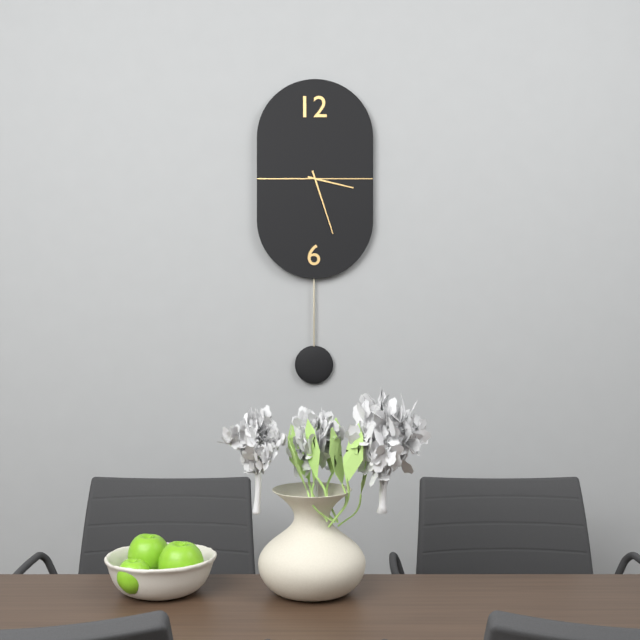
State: 3 h 27 min
